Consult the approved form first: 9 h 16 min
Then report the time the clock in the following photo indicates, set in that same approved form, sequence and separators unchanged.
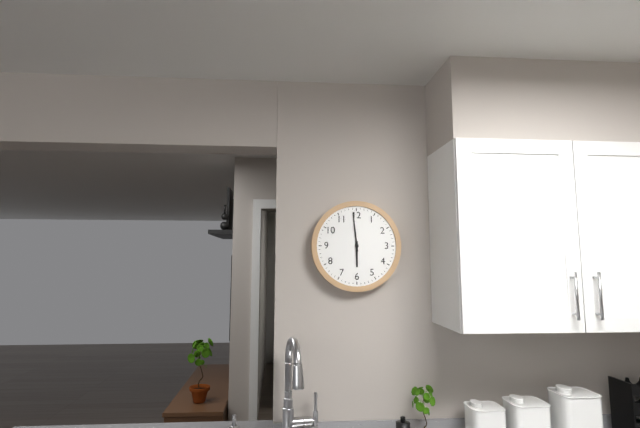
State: 5 h 59 min
